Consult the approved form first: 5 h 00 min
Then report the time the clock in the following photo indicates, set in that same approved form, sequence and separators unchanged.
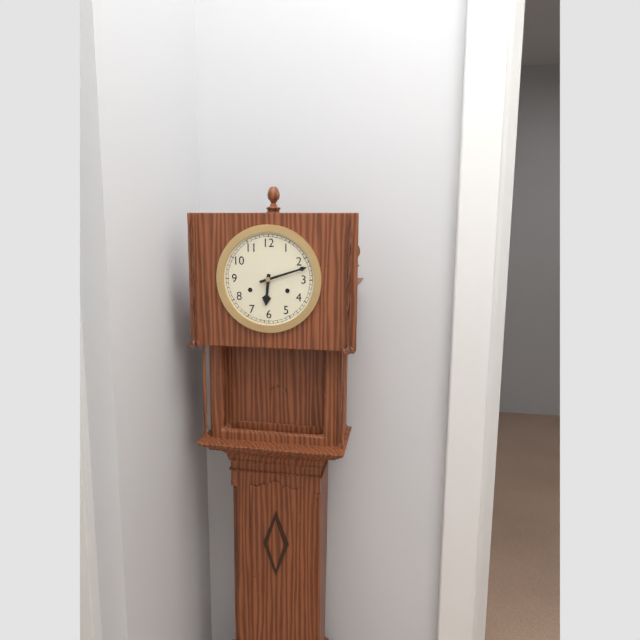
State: 6 h 12 min
